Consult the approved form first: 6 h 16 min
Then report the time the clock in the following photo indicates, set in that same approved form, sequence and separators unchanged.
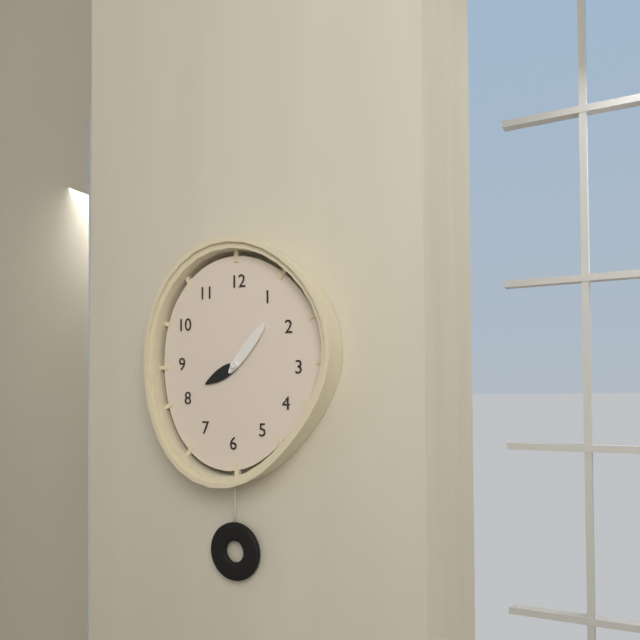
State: 8 h 07 min
